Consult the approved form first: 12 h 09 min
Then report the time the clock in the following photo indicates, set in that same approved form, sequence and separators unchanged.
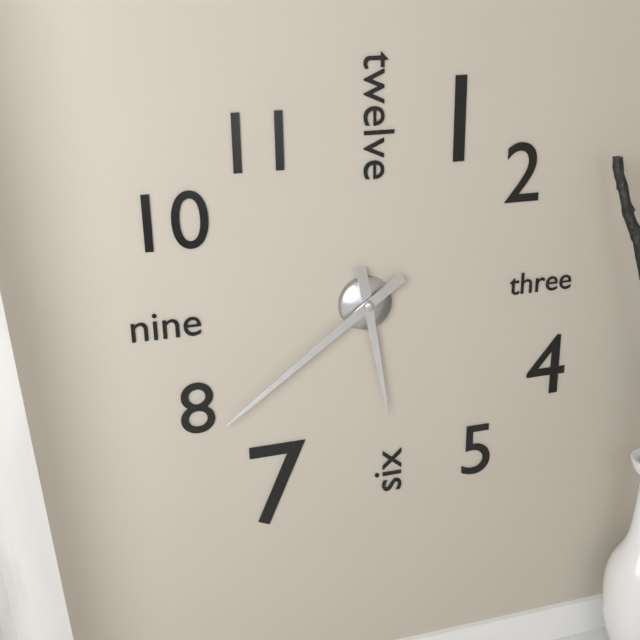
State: 5 h 39 min
